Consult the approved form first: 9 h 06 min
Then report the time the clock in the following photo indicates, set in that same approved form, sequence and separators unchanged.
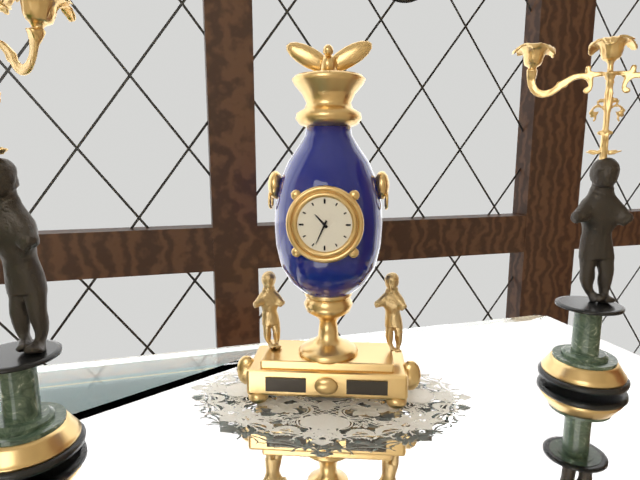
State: 10 h 34 min
